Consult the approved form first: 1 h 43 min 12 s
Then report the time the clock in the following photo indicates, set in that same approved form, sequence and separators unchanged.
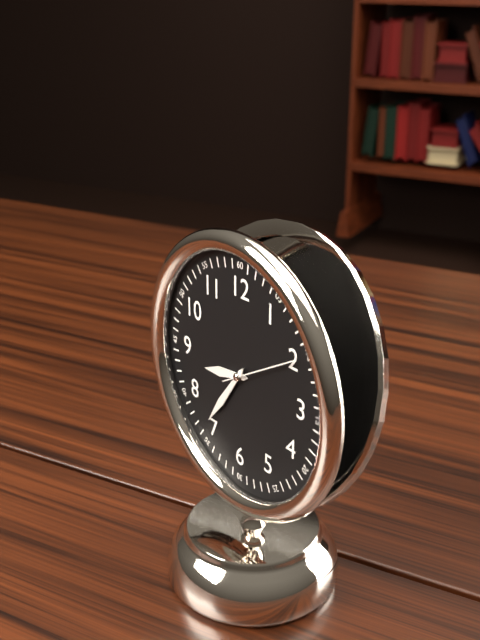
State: 8 h 36 min 10 s
